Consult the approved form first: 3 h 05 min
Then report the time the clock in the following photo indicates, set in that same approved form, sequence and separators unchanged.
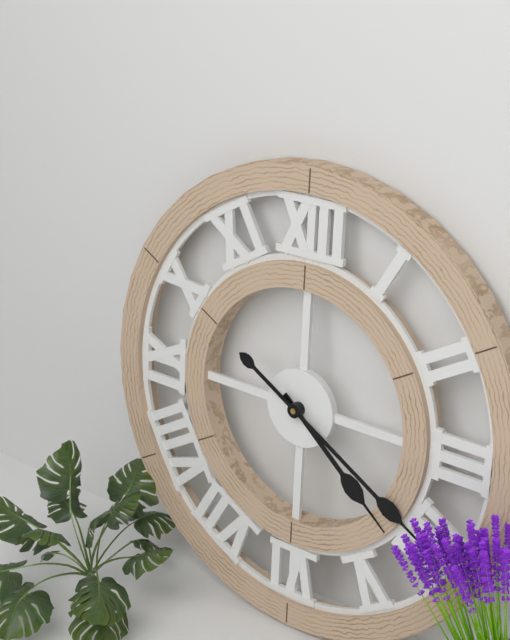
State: 4 h 20 min
